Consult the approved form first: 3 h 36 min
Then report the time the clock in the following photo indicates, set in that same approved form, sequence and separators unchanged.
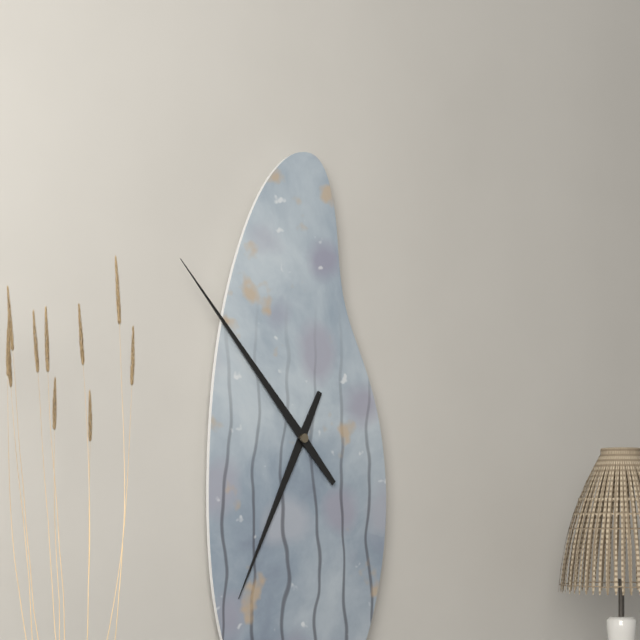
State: 6 h 53 min
